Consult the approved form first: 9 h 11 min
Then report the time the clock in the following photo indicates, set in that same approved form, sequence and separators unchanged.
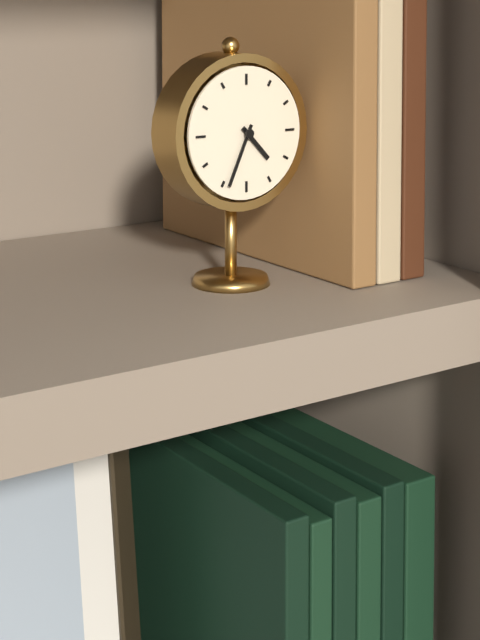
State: 4 h 34 min
